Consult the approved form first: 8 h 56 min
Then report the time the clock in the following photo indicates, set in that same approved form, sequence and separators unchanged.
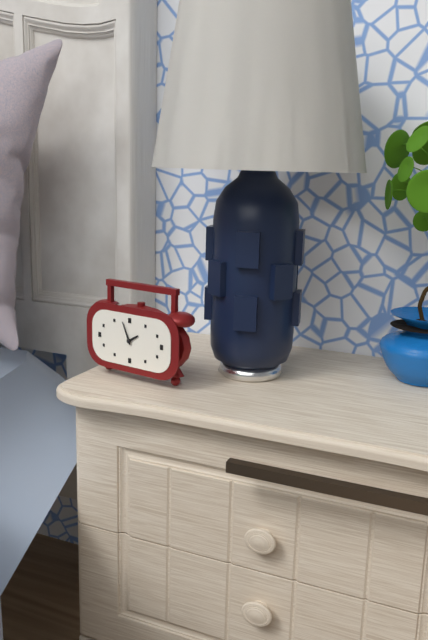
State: 1 h 56 min
